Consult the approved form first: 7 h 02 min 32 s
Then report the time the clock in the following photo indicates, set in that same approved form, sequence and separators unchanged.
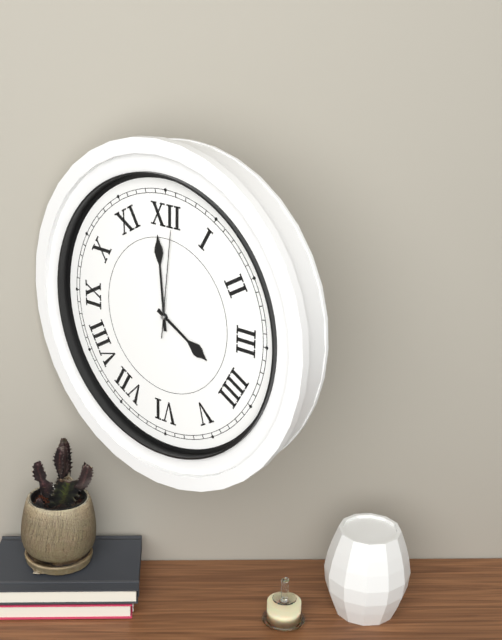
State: 3 h 59 min 01 s
